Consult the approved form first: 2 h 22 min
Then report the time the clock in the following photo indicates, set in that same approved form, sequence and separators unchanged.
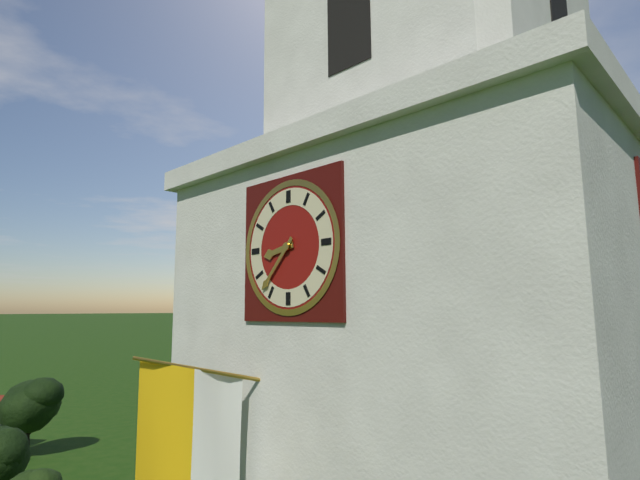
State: 8 h 37 min
